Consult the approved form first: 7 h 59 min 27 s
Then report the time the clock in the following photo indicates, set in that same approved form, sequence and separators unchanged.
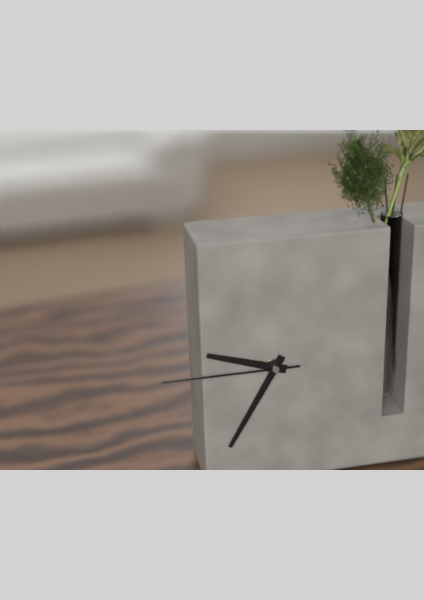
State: 9 h 35 min 45 s
